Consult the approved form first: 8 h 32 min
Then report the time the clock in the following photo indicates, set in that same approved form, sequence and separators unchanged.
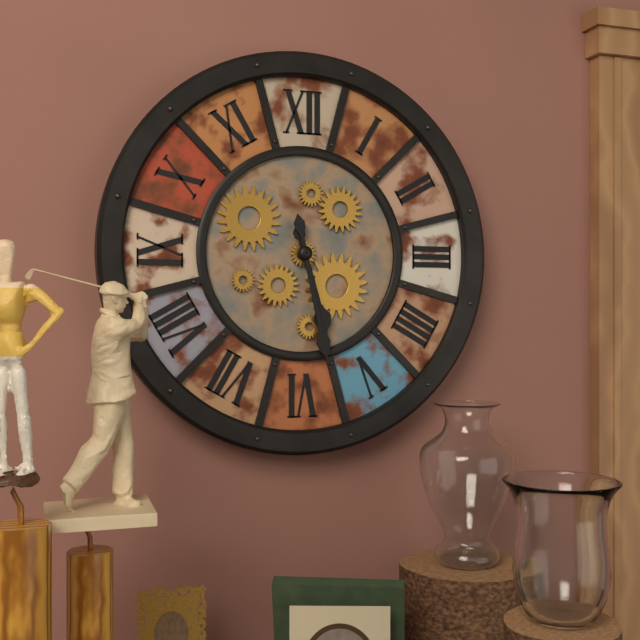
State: 5 h 28 min
